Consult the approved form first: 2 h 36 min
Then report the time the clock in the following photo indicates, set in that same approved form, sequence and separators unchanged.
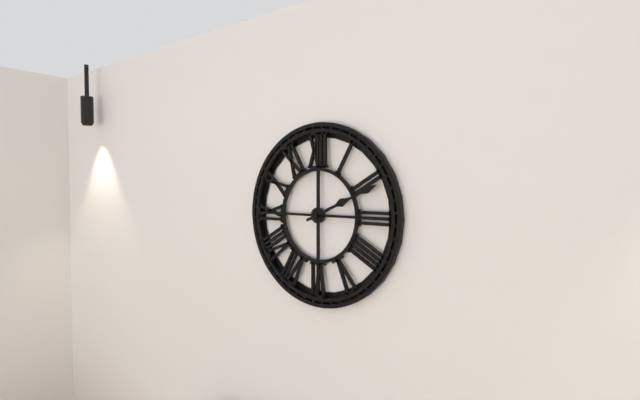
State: 2 h 11 min
